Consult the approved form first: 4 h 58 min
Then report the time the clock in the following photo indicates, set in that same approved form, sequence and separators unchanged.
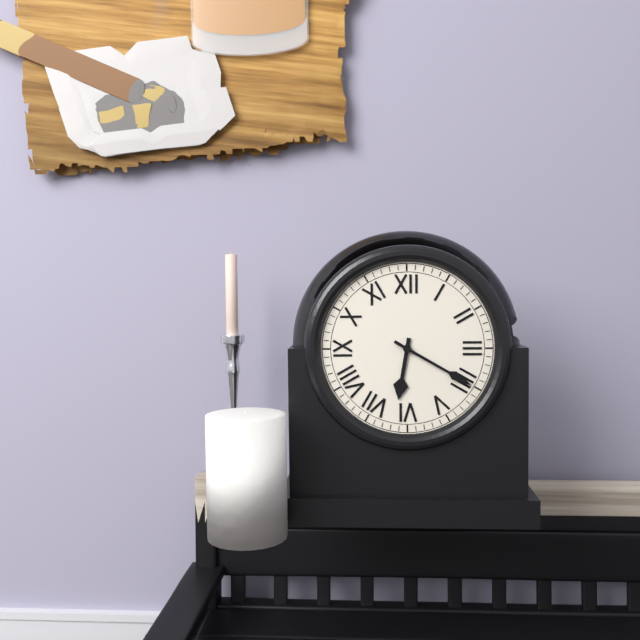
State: 6 h 20 min
